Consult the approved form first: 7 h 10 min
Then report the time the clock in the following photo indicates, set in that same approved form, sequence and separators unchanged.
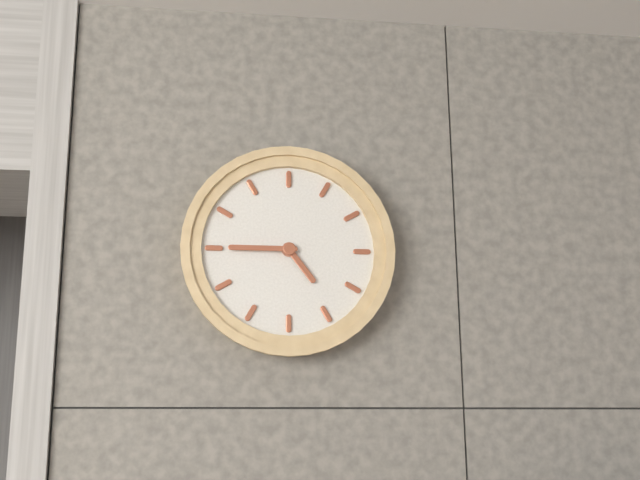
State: 4 h 45 min
